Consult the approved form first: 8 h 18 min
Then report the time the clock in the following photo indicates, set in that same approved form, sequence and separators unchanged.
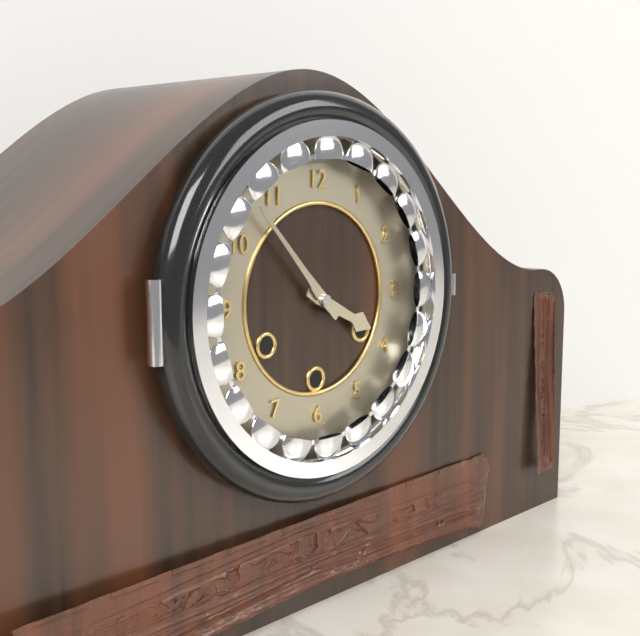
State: 3 h 53 min
